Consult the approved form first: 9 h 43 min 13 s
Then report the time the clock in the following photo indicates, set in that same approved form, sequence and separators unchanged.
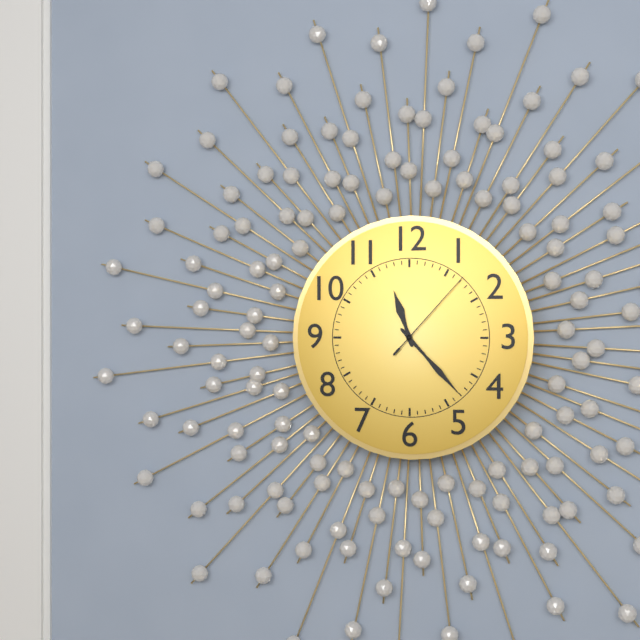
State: 11 h 23 min 07 s
